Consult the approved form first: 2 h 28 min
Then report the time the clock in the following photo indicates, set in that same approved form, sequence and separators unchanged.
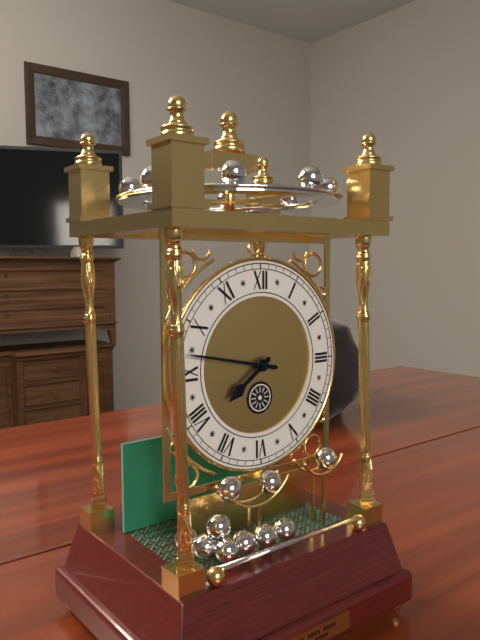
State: 7 h 47 min
